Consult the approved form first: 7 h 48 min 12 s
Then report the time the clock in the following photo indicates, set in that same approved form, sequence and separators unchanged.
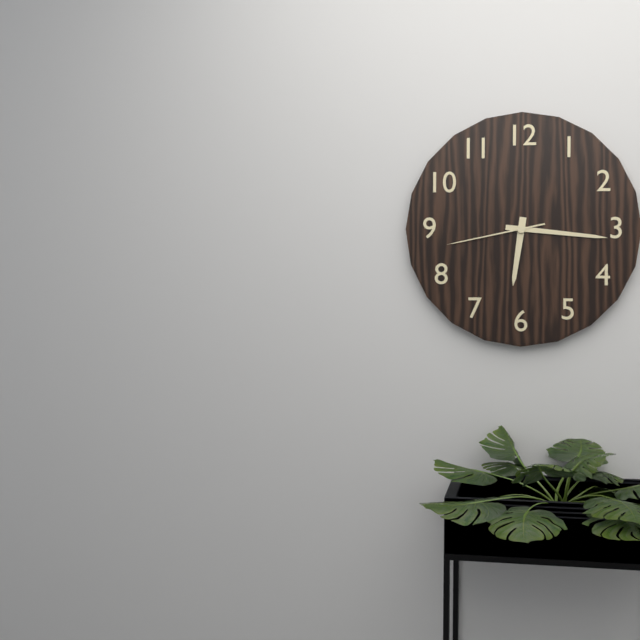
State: 6 h 16 min 43 s
